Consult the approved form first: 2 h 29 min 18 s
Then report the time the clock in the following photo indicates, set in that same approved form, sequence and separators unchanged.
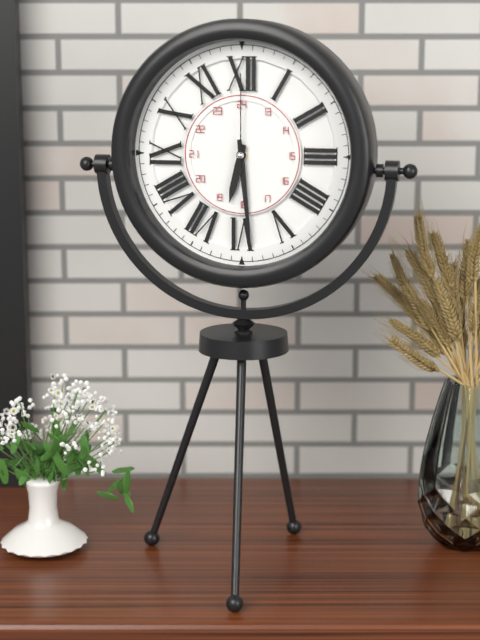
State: 6 h 29 min 00 s
